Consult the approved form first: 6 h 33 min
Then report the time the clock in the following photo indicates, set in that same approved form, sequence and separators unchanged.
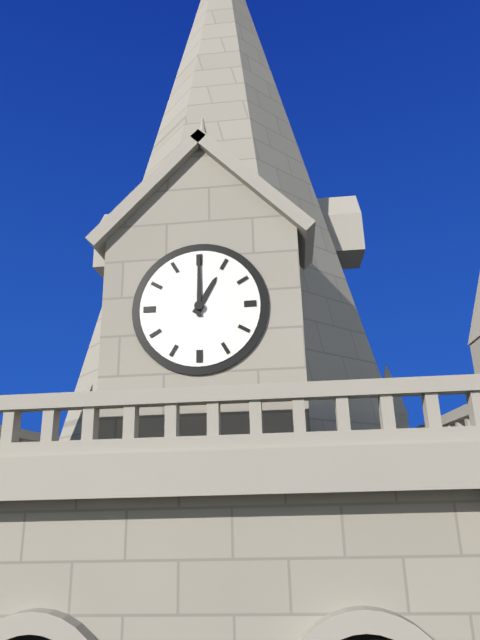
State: 1 h 00 min
